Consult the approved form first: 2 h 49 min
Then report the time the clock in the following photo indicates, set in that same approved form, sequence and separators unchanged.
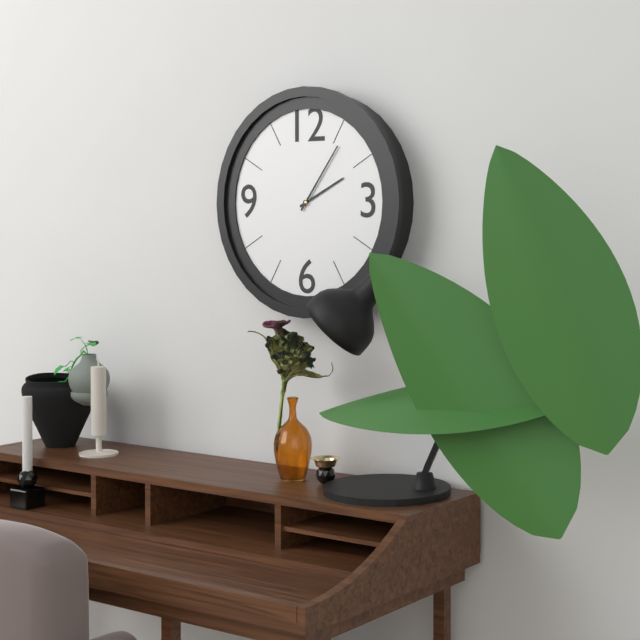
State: 2 h 06 min
